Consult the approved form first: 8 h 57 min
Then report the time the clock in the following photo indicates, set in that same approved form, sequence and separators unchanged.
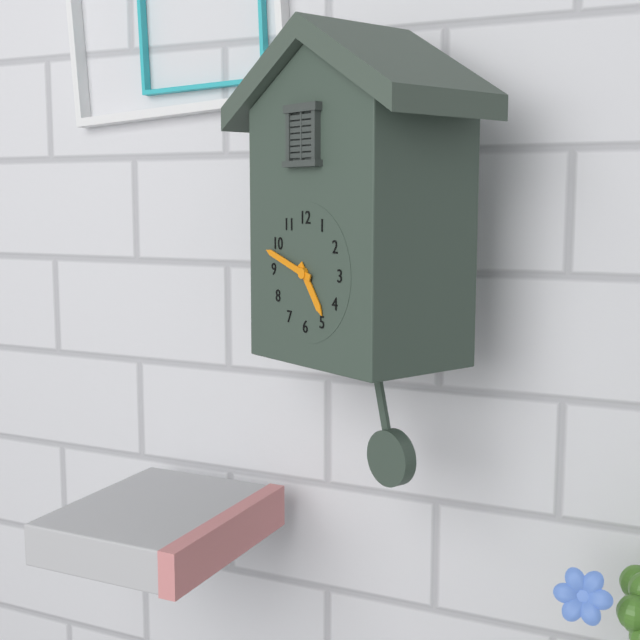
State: 4 h 48 min
